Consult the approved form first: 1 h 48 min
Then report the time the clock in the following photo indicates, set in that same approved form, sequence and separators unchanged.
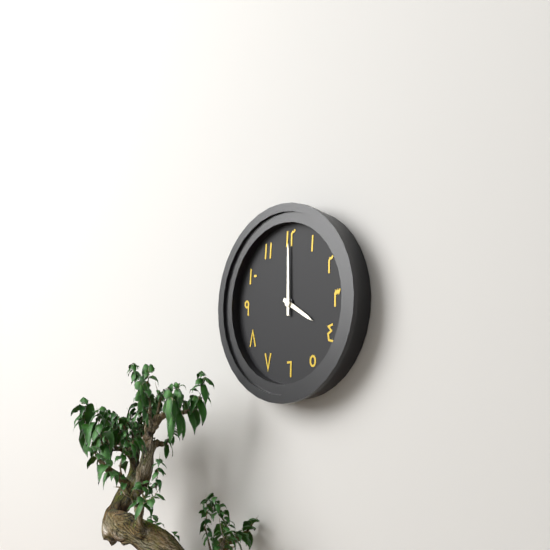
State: 4 h 00 min
